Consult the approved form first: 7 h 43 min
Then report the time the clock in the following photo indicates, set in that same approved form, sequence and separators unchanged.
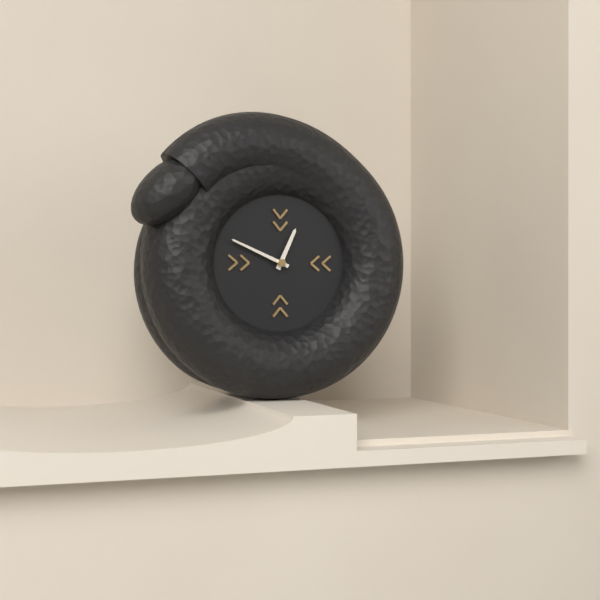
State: 12 h 49 min
